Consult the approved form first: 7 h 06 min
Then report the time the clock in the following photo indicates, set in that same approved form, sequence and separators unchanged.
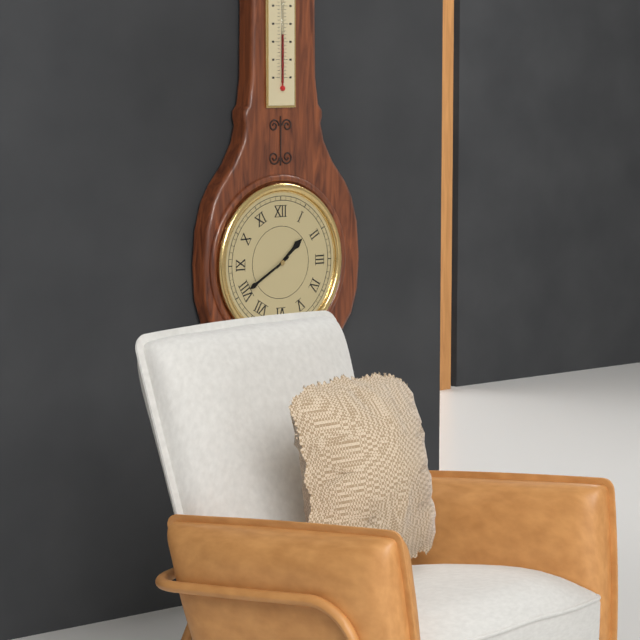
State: 1 h 40 min
